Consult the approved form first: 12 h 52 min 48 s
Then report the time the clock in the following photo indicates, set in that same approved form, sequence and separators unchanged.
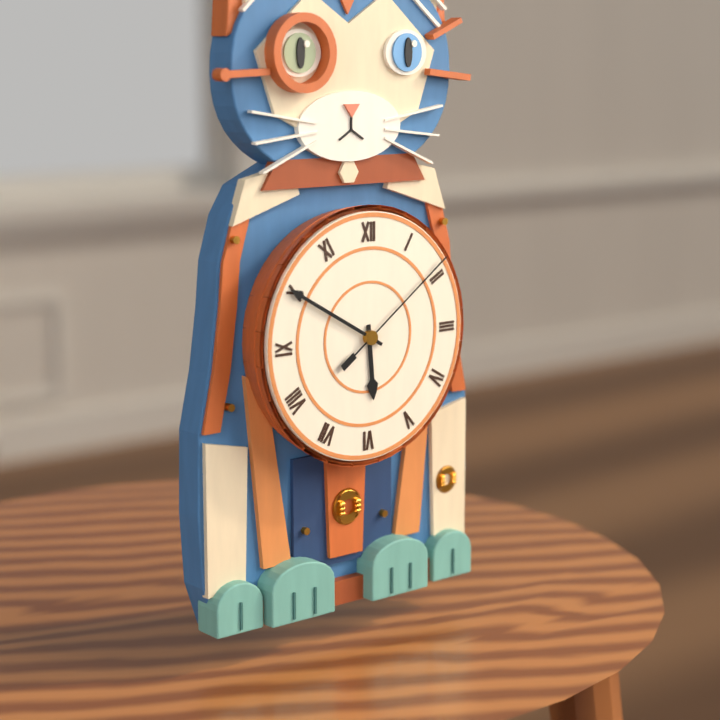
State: 5 h 50 min 09 s
